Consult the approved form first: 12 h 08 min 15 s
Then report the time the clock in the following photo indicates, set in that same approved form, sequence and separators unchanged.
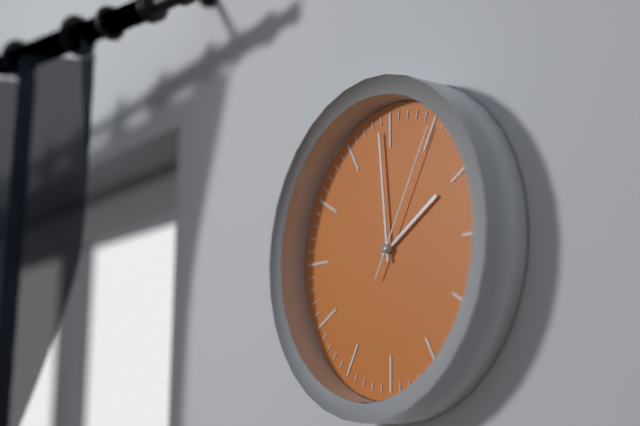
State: 1 h 59 min 05 s
